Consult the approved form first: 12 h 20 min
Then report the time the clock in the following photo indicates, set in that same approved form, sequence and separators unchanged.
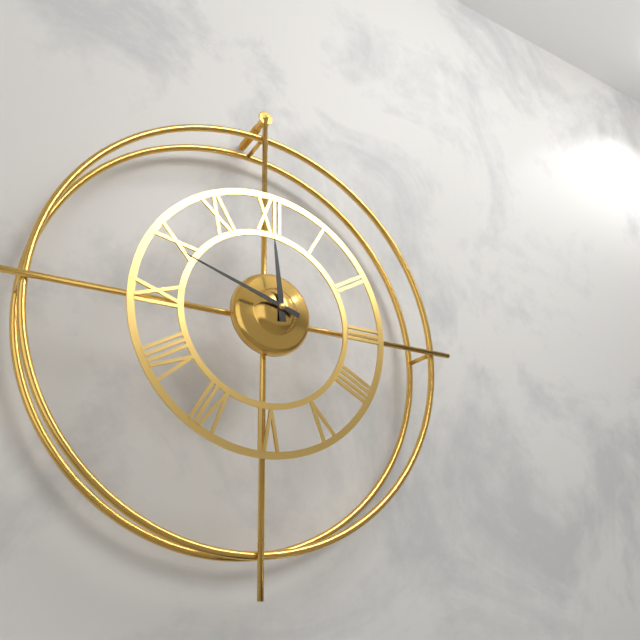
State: 11 h 48 min
